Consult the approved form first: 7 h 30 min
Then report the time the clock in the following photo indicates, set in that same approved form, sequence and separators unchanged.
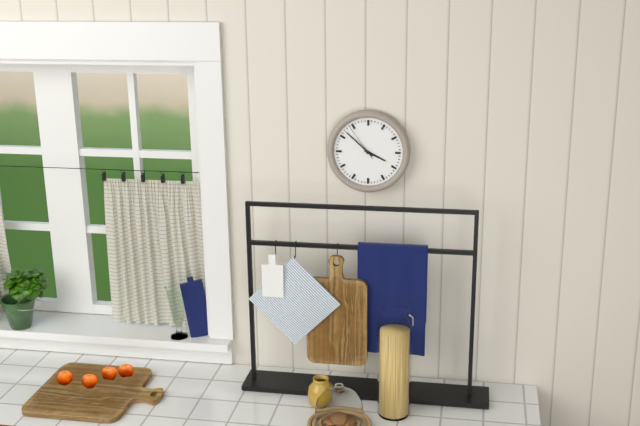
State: 3 h 52 min
